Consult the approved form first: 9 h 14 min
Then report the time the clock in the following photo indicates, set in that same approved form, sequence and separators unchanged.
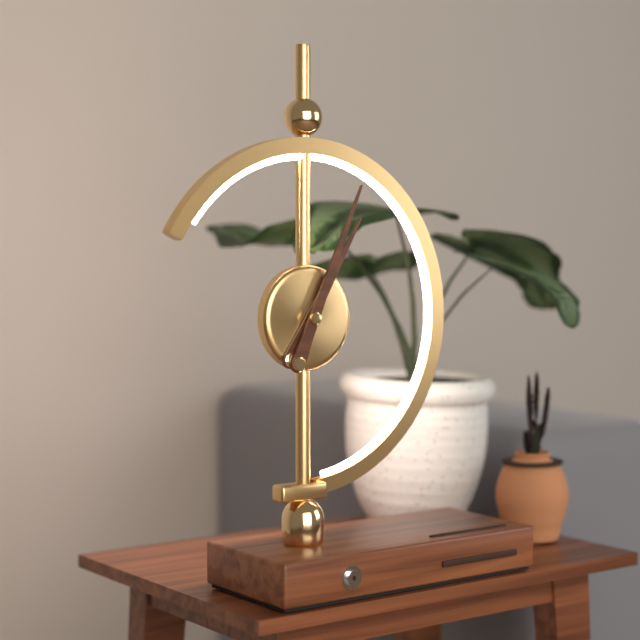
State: 1 h 04 min
